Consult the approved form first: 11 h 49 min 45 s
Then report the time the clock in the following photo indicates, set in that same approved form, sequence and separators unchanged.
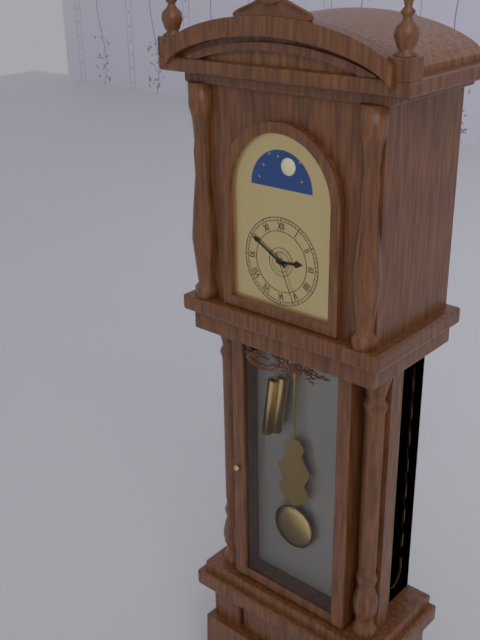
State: 2 h 50 min 26 s
